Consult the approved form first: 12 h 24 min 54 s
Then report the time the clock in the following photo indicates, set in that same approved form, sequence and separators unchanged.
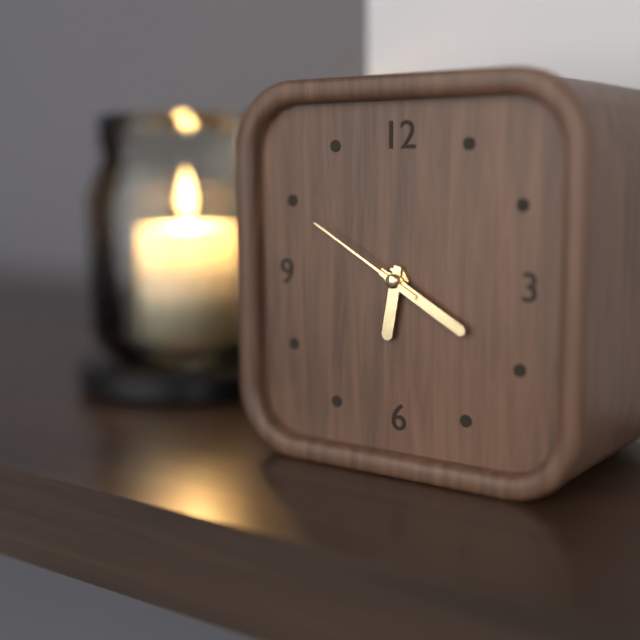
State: 6 h 20 min 50 s
